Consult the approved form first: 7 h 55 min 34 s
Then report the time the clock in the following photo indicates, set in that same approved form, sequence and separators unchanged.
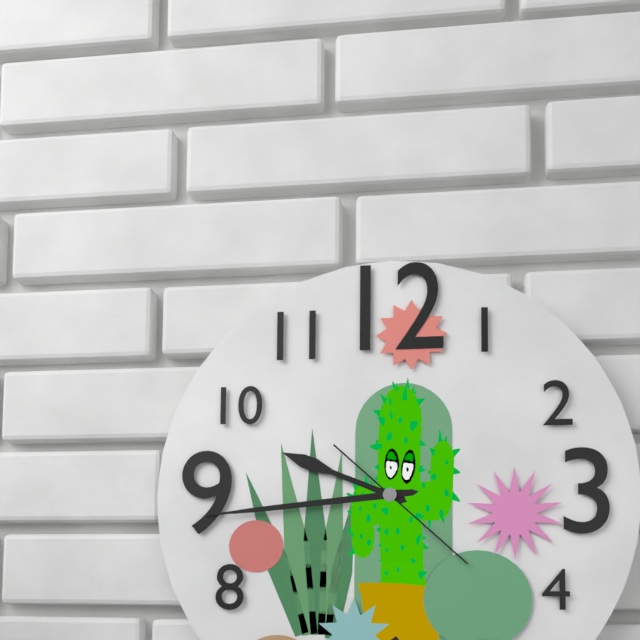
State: 9 h 44 min 22 s
